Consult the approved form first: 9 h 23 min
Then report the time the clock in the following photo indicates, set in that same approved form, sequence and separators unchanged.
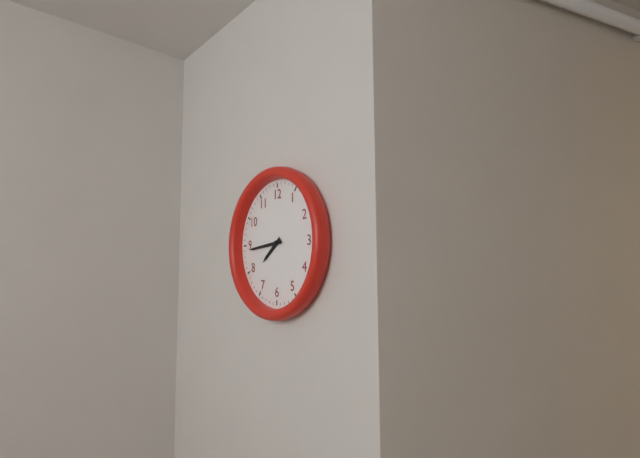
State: 7 h 44 min
